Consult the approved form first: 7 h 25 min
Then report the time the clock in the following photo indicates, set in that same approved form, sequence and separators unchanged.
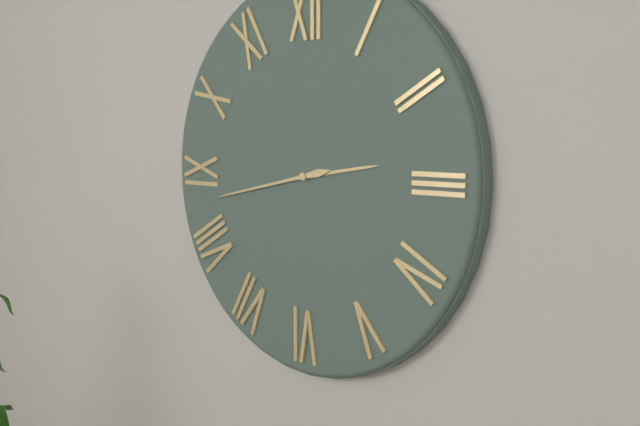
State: 2 h 43 min
